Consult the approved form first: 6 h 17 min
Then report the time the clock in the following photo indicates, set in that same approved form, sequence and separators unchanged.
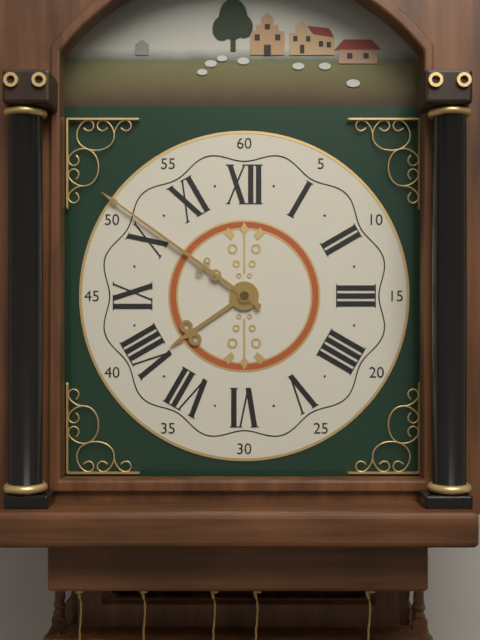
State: 7 h 51 min
